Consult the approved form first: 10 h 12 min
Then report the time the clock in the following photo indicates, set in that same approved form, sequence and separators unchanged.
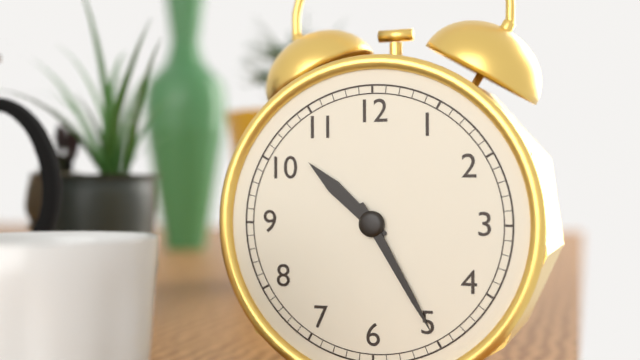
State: 10 h 25 min
